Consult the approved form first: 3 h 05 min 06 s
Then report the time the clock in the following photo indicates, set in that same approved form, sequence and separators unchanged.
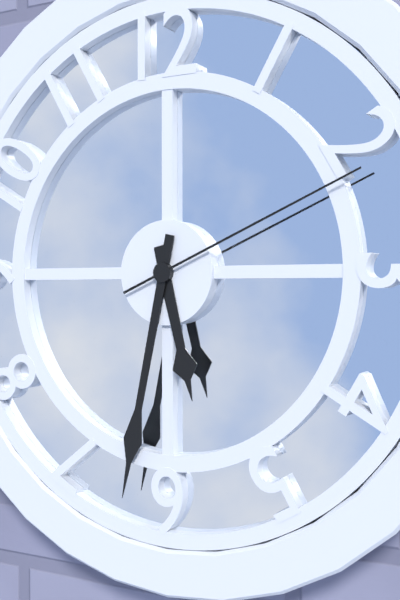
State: 5 h 32 min 11 s
